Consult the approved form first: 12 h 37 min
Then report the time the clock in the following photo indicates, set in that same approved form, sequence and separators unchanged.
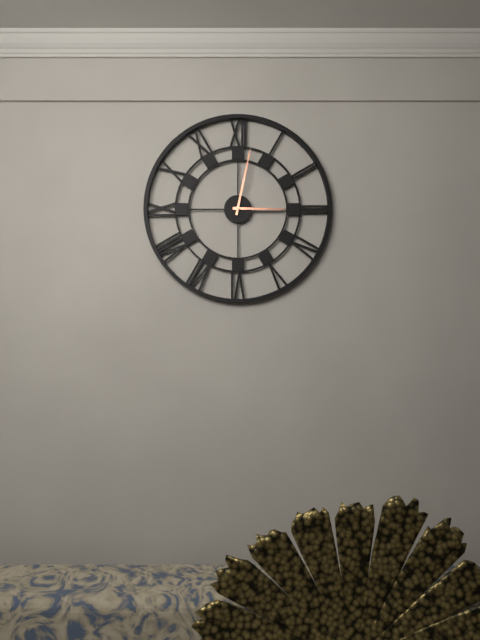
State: 3 h 02 min
